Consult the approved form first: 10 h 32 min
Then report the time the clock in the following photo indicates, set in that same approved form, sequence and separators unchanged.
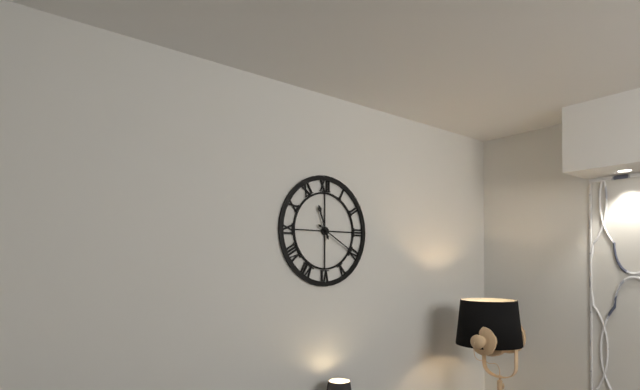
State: 11 h 20 min
